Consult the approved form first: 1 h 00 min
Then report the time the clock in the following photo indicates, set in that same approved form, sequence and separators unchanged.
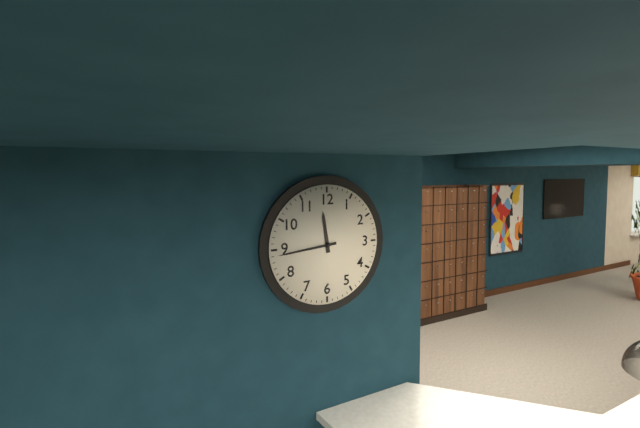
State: 11 h 44 min
